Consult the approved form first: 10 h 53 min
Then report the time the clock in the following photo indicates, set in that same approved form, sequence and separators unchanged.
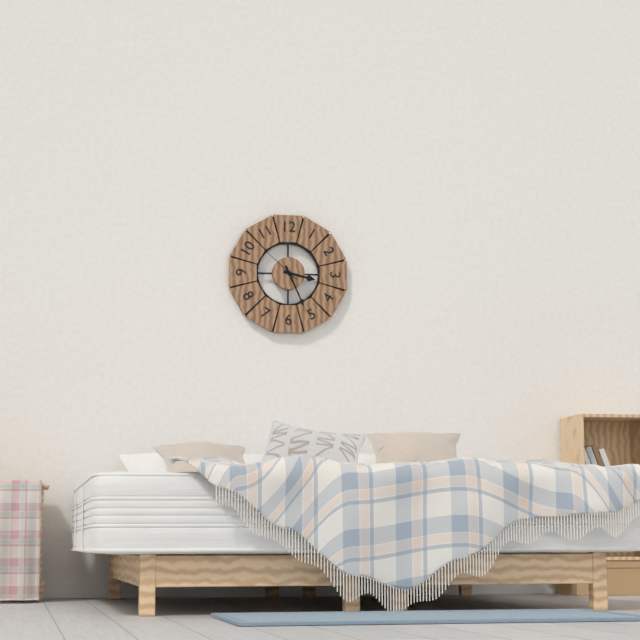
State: 3 h 26 min
